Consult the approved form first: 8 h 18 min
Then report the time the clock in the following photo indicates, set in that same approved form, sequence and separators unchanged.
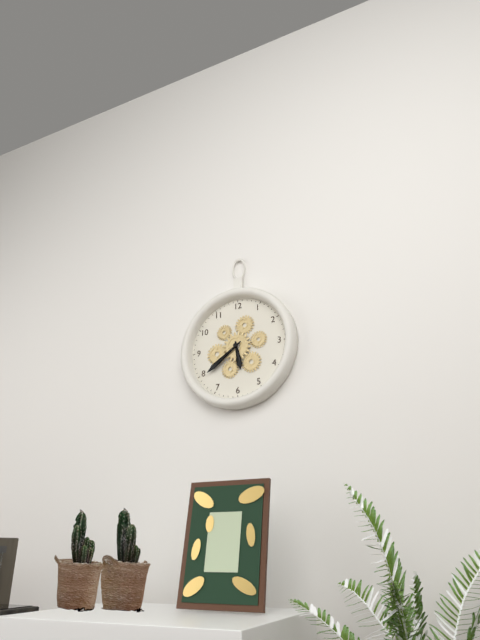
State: 5 h 39 min
